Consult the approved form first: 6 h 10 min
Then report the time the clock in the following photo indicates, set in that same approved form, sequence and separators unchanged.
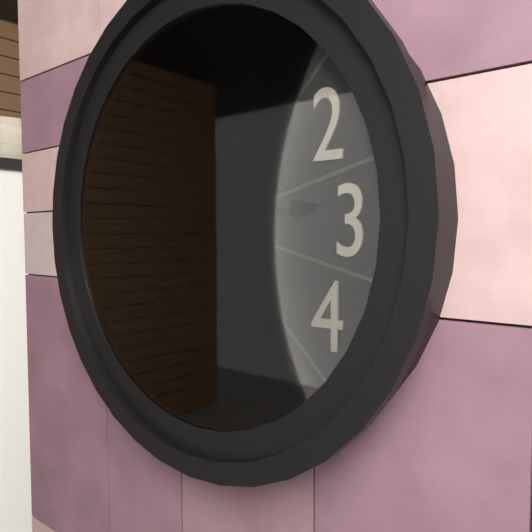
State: 11 h 14 min
